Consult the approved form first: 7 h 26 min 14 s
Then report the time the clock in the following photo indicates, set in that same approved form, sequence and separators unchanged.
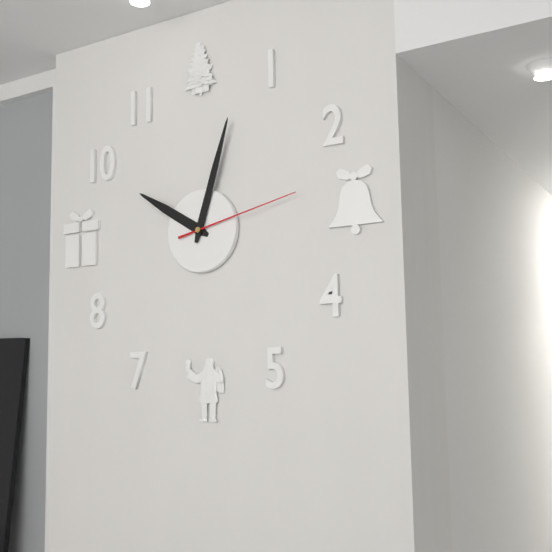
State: 10 h 03 min 13 s
